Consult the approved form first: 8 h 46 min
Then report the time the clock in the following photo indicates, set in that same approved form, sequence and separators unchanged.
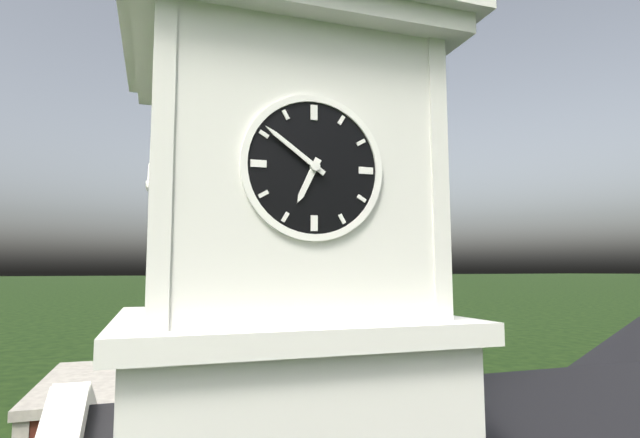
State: 6 h 51 min
